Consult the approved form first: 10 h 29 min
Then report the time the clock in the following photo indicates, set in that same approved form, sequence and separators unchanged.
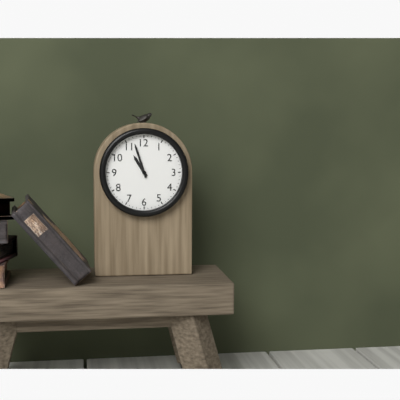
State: 10 h 57 min
